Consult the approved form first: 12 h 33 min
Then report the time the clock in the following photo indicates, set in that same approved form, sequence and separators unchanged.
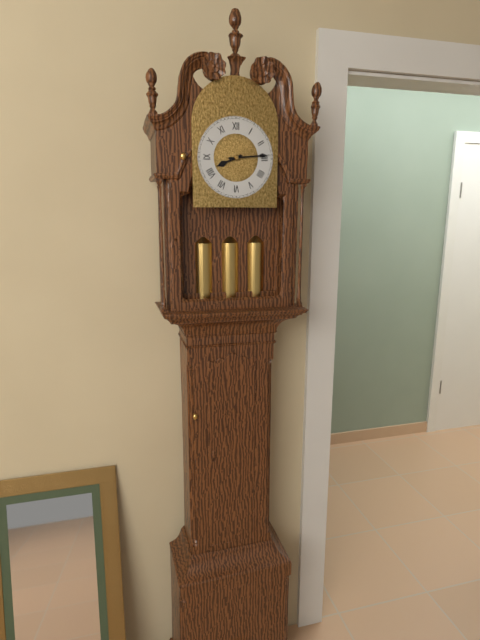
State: 8 h 14 min
